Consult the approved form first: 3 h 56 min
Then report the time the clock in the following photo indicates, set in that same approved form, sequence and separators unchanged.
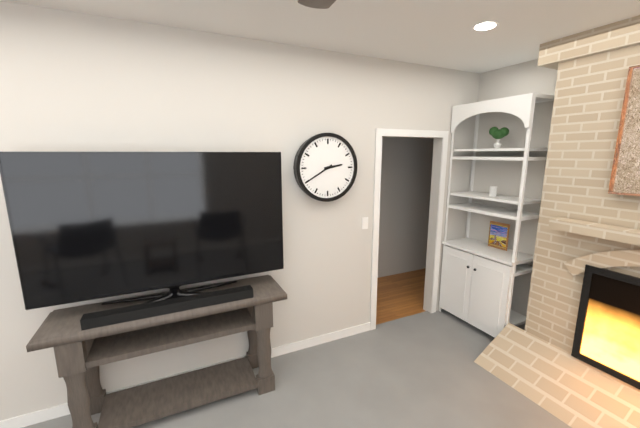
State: 2 h 40 min
